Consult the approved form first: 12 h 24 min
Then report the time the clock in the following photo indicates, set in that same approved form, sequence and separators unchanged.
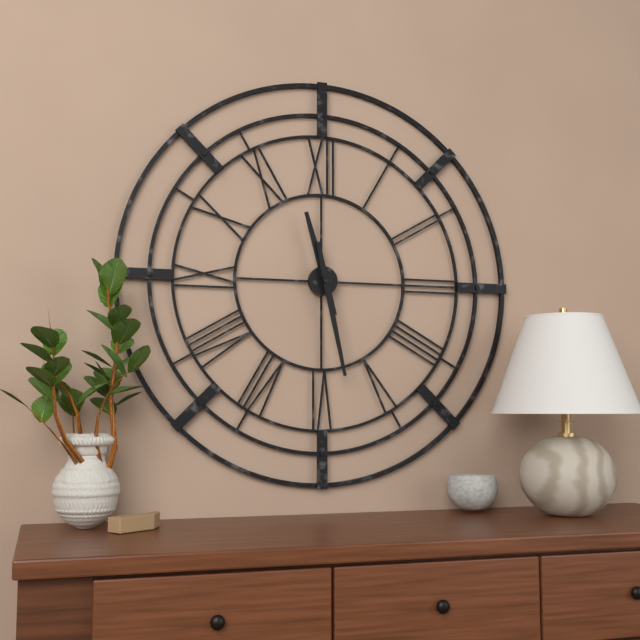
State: 11 h 28 min
